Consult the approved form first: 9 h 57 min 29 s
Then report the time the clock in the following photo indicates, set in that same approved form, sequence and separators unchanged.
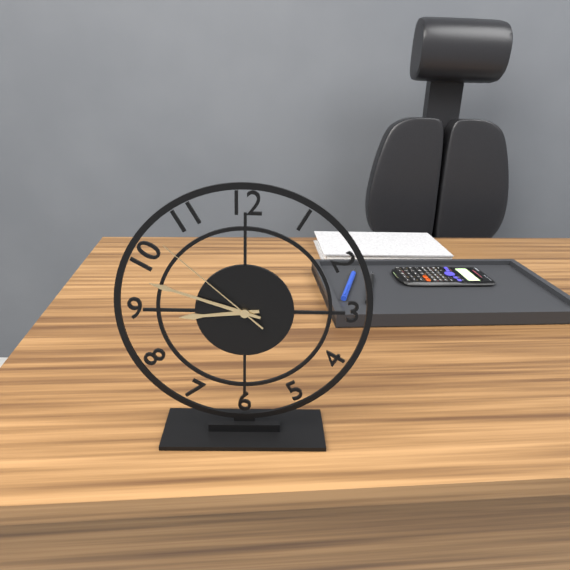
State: 8 h 48 min 52 s
